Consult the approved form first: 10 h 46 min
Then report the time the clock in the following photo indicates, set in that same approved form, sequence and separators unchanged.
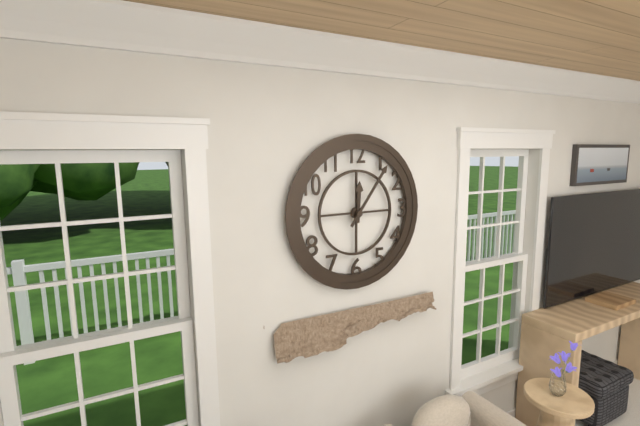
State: 12 h 06 min
